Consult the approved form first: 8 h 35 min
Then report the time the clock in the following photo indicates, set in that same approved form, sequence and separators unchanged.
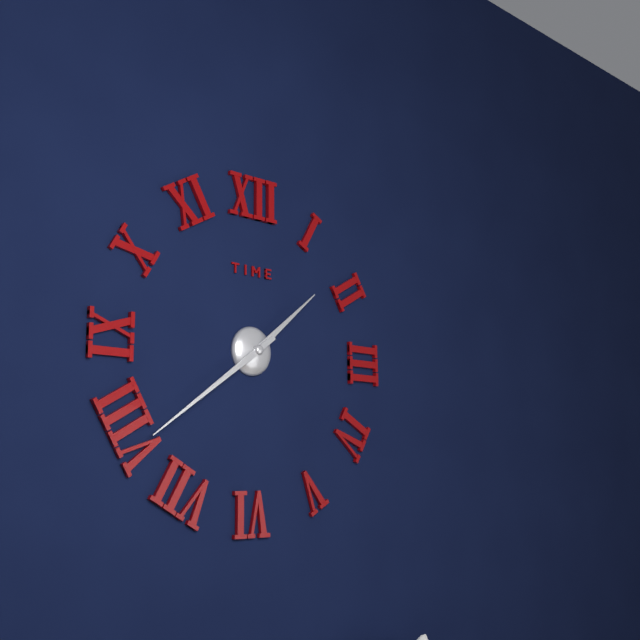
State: 1 h 39 min
